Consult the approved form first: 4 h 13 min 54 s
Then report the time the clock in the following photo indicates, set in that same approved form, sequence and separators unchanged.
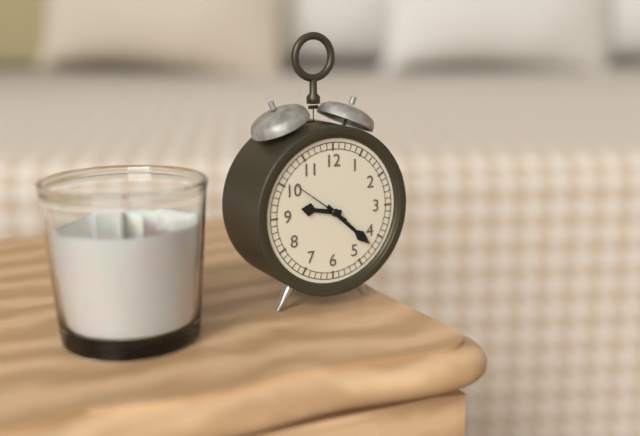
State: 9 h 22 min 51 s
